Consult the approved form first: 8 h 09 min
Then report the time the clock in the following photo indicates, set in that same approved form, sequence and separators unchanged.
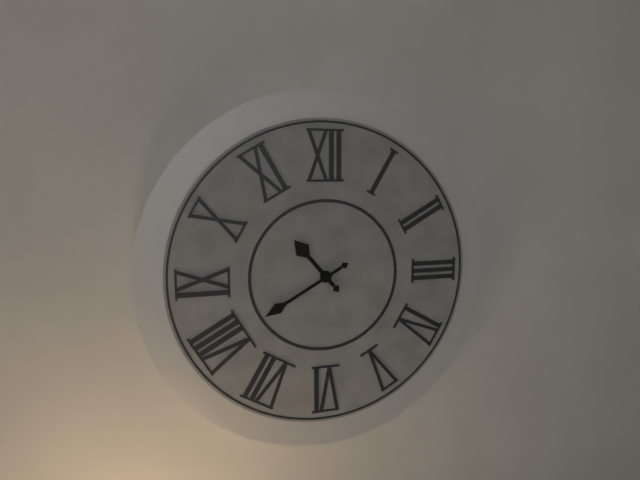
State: 10 h 40 min
